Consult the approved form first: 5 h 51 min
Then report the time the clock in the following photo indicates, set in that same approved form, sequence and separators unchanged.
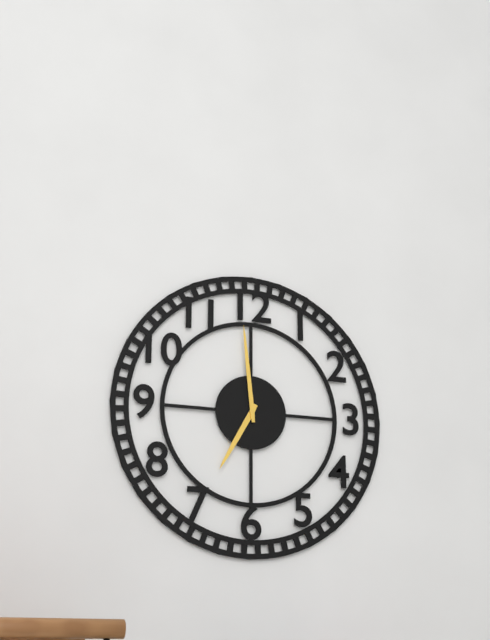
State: 6 h 59 min
